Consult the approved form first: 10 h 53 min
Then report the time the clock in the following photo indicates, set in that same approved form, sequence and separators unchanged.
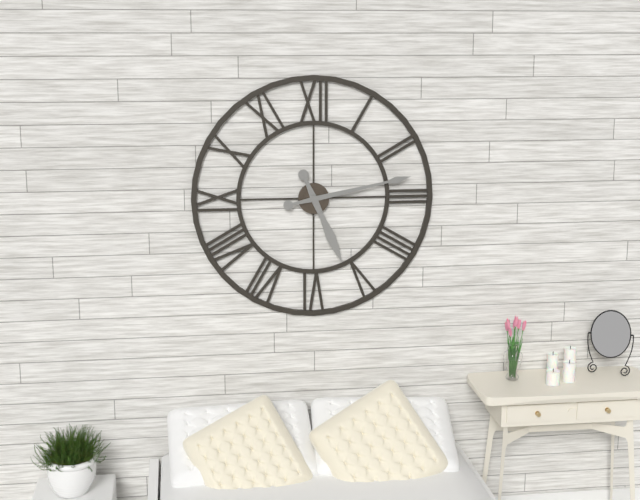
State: 5 h 13 min
